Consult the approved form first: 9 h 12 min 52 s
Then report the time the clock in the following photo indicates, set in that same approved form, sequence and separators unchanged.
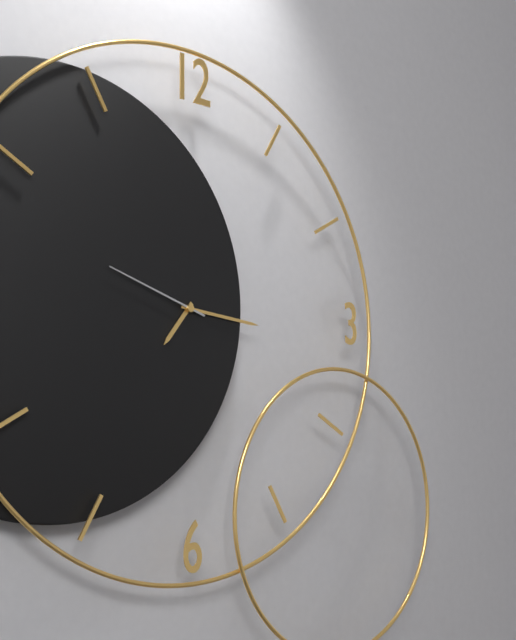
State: 7 h 16 min 48 s
